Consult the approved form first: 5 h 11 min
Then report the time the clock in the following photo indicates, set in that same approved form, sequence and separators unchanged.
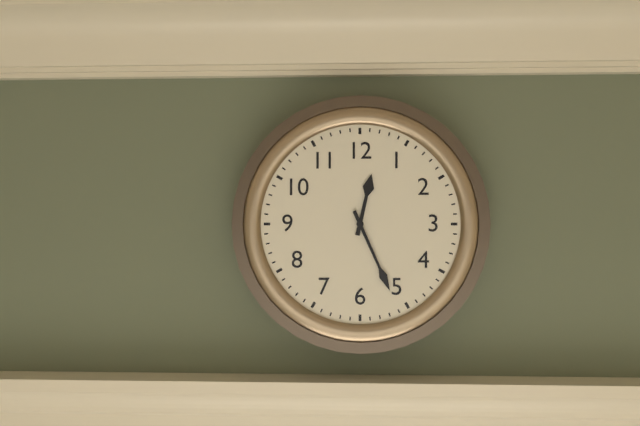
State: 12 h 26 min
